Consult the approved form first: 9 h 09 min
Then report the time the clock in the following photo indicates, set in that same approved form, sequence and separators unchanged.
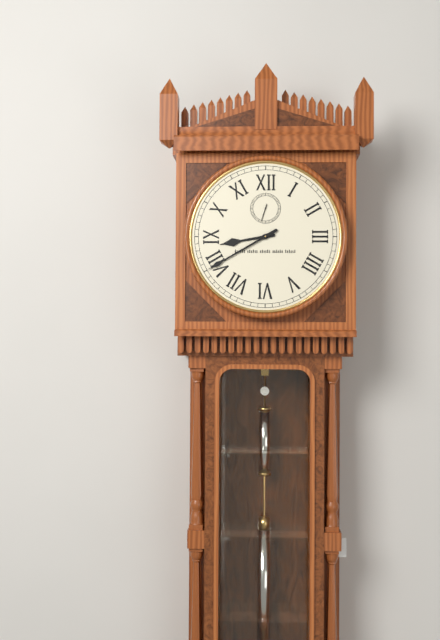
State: 8 h 40 min
